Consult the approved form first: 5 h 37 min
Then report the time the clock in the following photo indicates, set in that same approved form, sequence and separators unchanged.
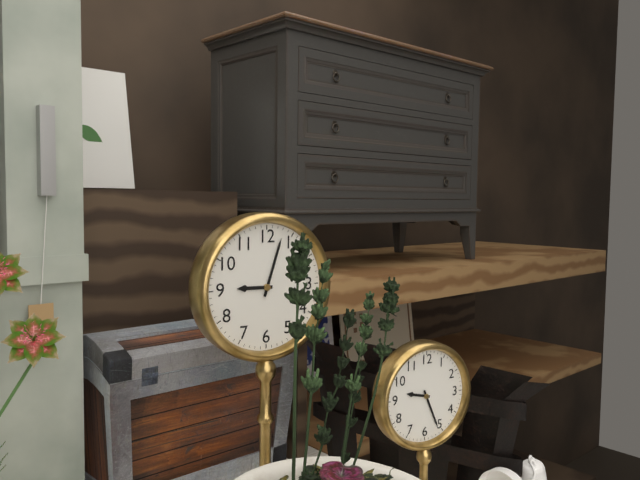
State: 9 h 03 min
